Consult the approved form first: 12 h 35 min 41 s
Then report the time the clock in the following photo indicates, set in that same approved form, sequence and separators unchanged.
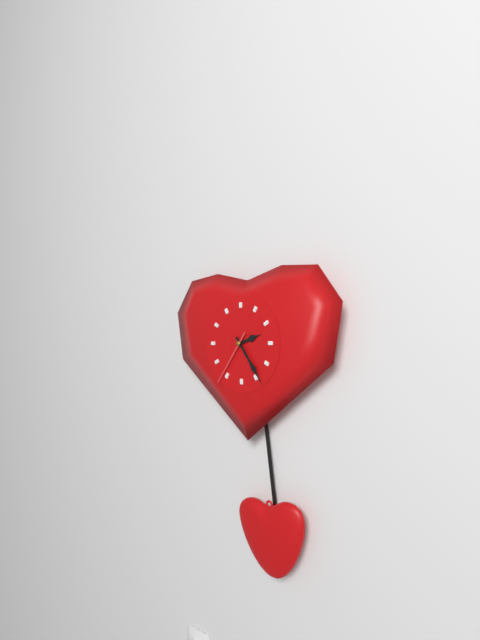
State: 2 h 24 min 36 s
